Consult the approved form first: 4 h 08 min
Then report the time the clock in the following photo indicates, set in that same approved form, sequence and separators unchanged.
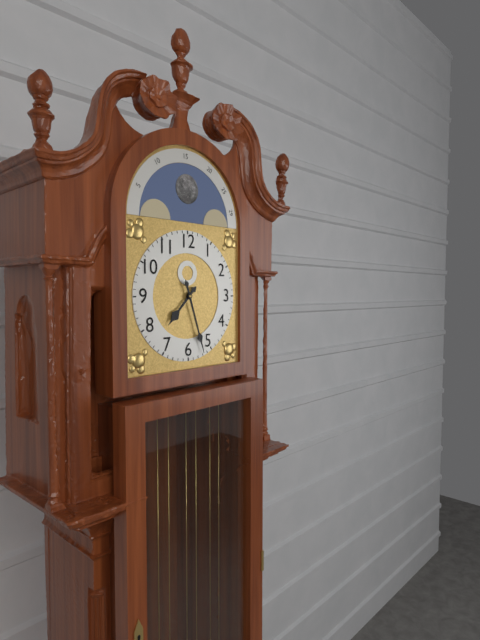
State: 7 h 27 min
